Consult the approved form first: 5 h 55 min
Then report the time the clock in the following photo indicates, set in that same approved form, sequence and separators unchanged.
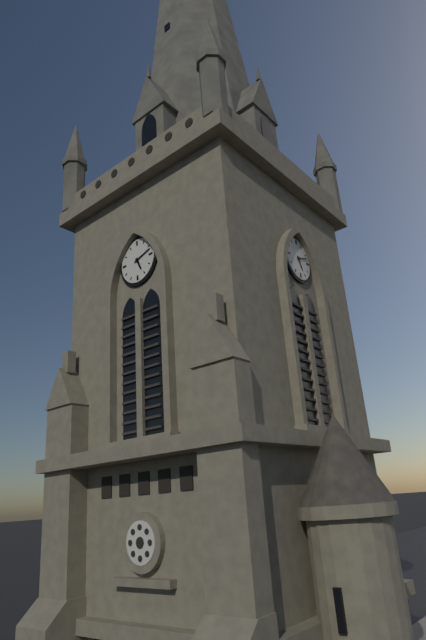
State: 5 h 12 min
